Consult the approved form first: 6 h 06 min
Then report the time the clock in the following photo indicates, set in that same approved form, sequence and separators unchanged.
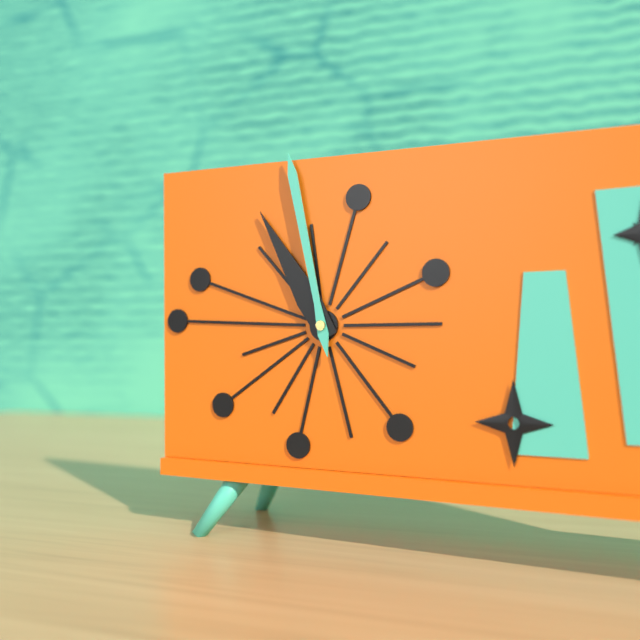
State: 10 h 58 min
